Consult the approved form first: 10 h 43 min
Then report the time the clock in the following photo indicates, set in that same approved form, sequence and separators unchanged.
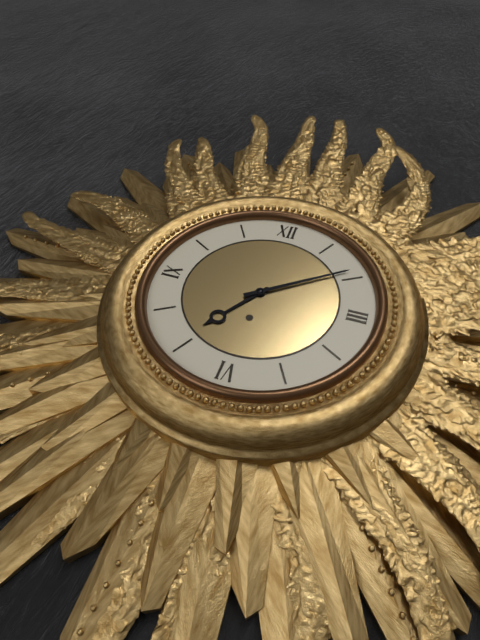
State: 7 h 09 min
